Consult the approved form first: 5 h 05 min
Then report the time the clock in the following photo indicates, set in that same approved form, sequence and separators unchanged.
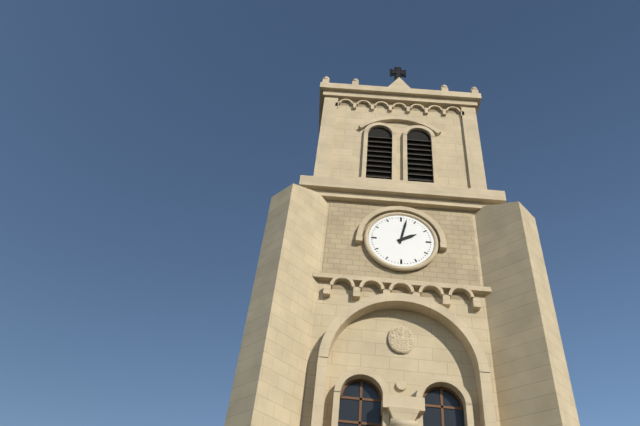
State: 2 h 02 min
